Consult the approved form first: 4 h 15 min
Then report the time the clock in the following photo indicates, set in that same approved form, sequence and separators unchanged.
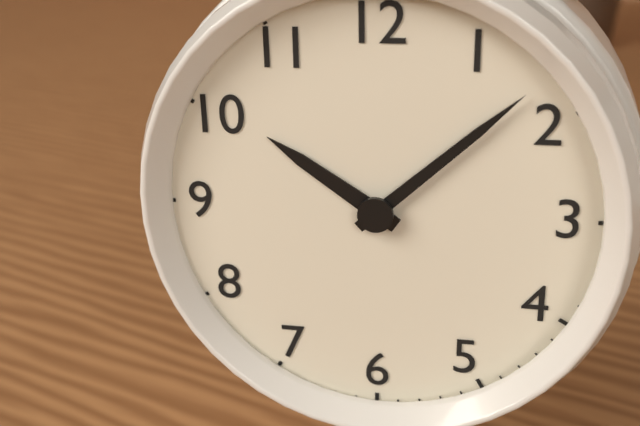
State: 10 h 08 min
